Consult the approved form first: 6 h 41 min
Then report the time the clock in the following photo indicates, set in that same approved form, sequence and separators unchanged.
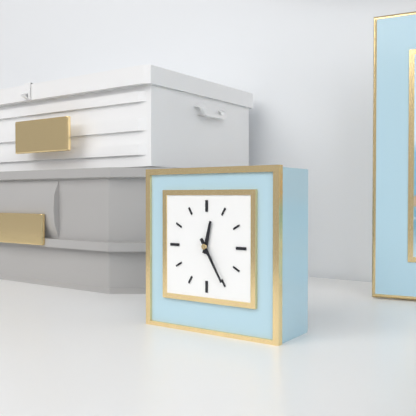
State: 12 h 25 min
